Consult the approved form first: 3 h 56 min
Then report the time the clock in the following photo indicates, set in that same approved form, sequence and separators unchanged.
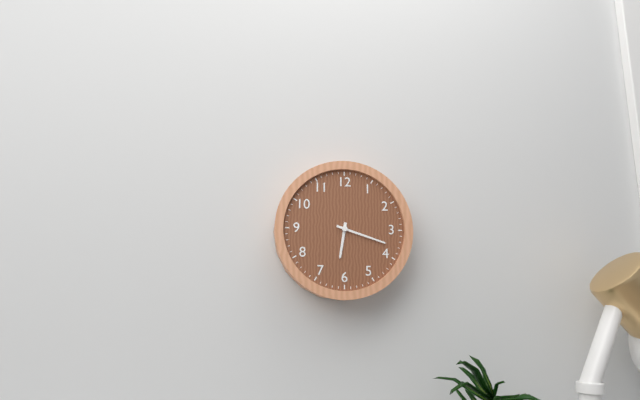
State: 6 h 18 min
